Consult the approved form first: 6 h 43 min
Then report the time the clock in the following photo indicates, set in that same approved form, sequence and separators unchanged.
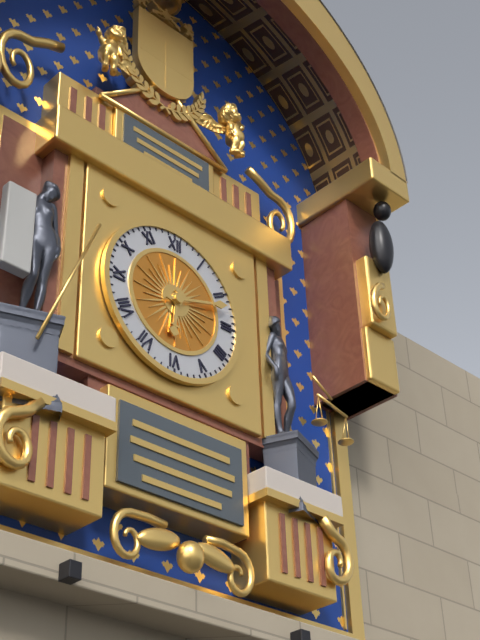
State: 6 h 12 min
